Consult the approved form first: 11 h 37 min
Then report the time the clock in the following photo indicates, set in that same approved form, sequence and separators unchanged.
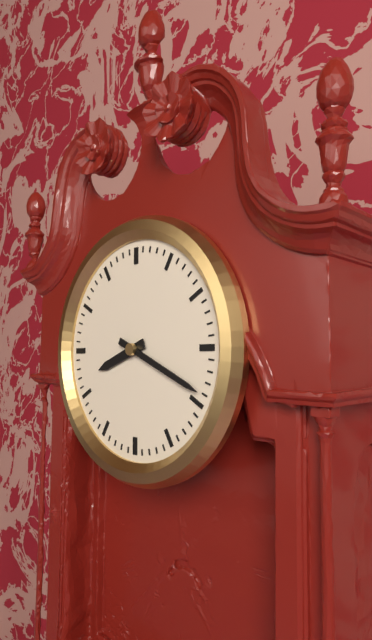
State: 8 h 19 min
